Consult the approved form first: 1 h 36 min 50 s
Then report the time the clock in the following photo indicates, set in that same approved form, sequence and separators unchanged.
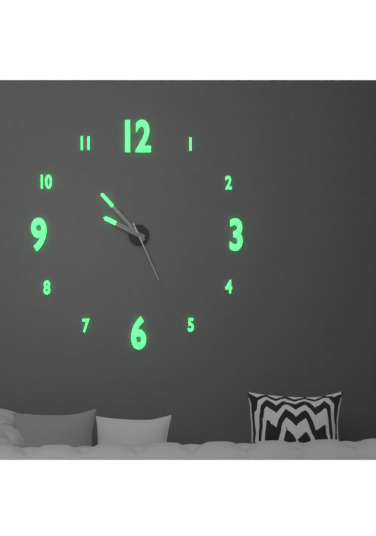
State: 9 h 53 min 26 s
